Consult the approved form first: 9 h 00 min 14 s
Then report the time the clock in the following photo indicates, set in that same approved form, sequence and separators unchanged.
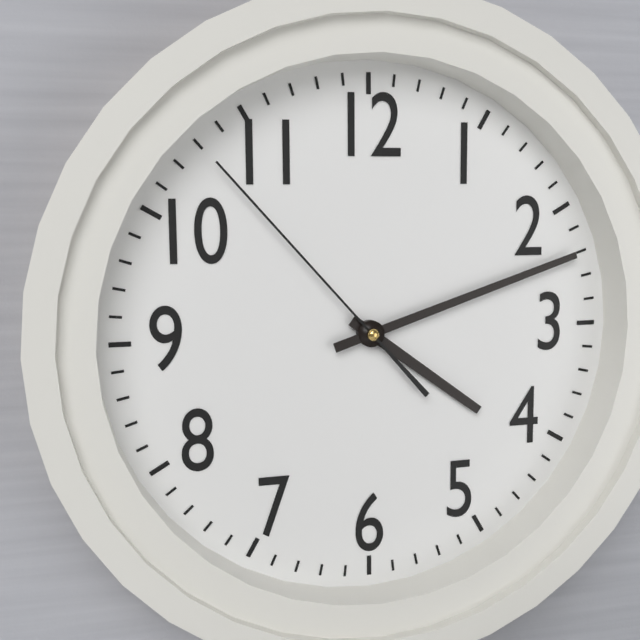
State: 4 h 12 min 53 s
